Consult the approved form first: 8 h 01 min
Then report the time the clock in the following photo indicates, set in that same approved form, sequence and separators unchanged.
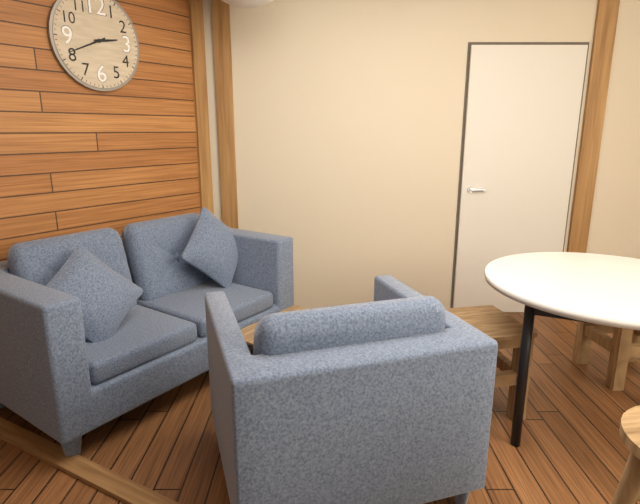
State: 2 h 41 min
